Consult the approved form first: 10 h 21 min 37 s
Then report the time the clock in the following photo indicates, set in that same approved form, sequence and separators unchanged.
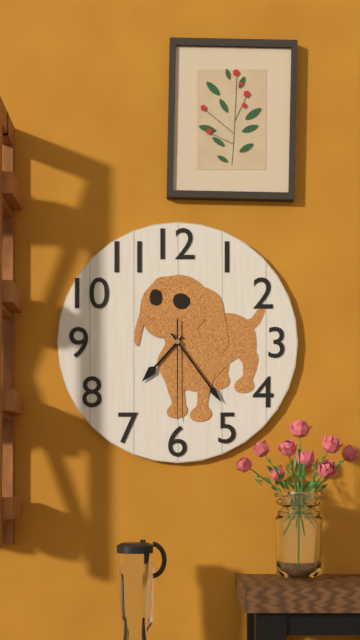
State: 7 h 24 min 30 s
